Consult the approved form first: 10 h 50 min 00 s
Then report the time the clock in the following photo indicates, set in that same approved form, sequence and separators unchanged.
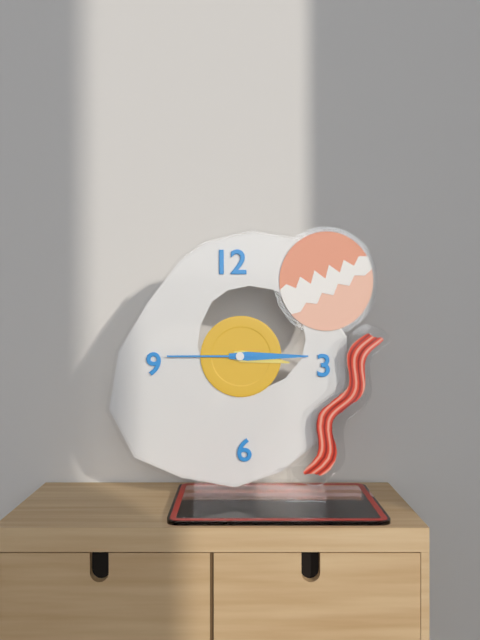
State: 3 h 15 min 45 s
